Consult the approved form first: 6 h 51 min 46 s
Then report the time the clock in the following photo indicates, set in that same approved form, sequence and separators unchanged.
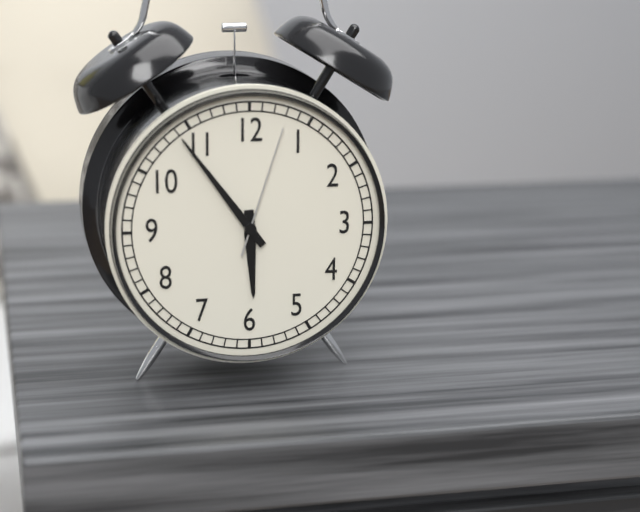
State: 5 h 54 min 03 s
